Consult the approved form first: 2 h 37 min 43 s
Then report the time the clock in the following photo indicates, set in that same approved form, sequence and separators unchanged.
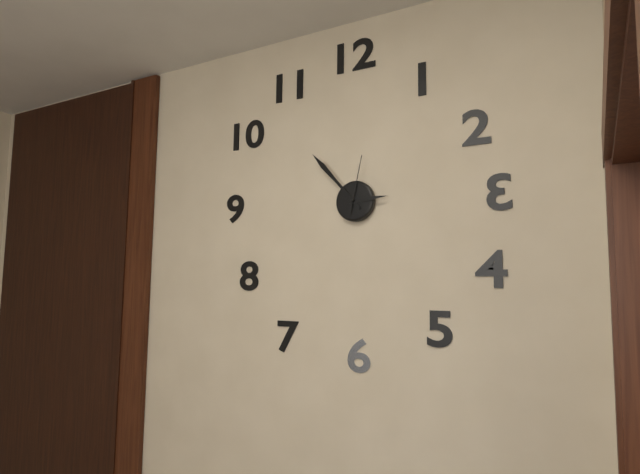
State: 2 h 53 min 02 s
